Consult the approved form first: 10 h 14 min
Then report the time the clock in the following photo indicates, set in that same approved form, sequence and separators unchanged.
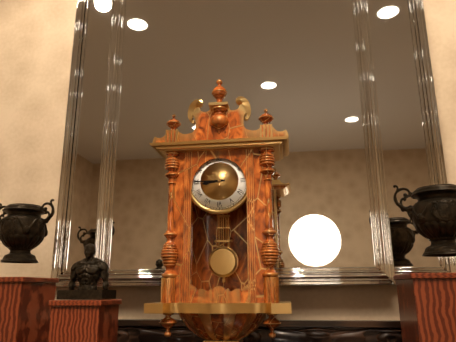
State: 8 h 45 min
